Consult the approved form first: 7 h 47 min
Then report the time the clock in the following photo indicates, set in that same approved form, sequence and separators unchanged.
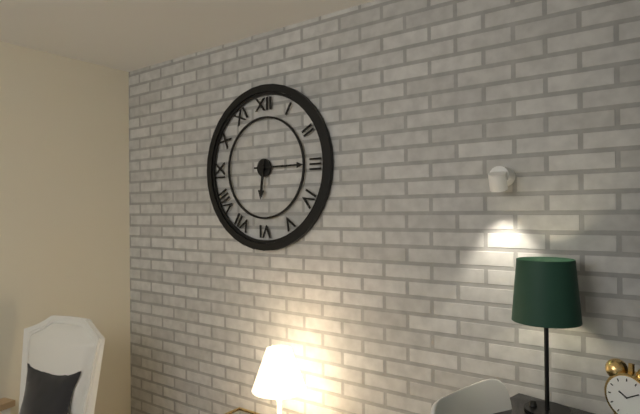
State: 6 h 15 min
